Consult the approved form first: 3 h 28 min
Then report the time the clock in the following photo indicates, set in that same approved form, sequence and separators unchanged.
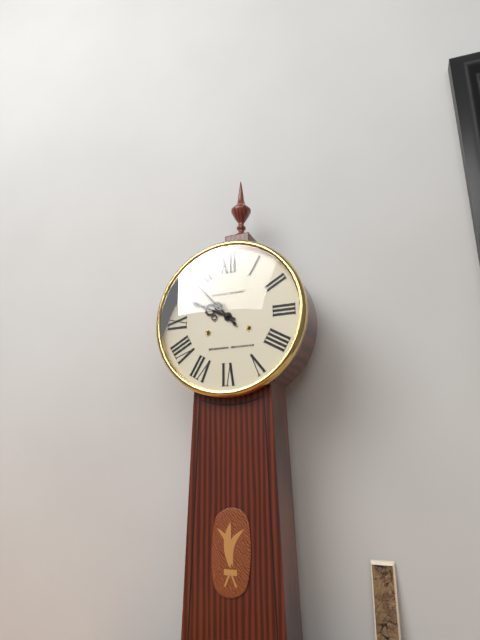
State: 9 h 53 min
